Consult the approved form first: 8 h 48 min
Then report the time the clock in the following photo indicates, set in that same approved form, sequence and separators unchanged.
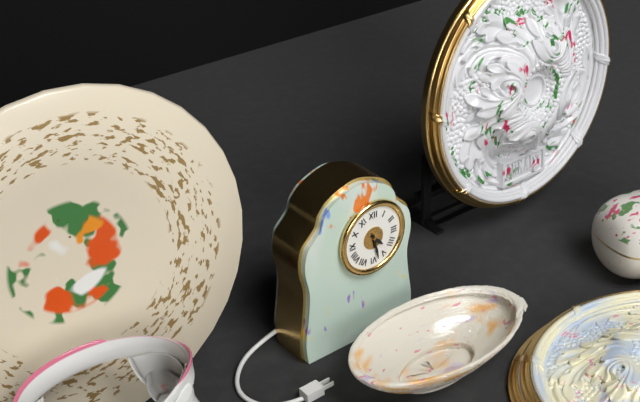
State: 4 h 28 min
